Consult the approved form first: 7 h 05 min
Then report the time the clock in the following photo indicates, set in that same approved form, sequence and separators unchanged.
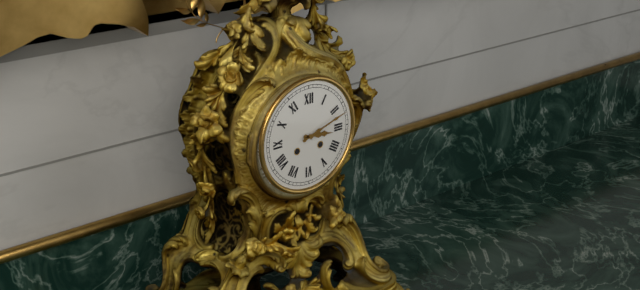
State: 3 h 12 min
